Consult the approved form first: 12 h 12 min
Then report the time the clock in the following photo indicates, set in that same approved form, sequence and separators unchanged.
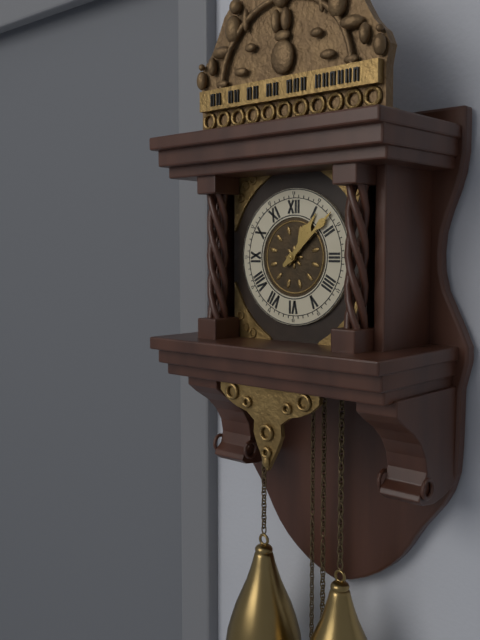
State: 1 h 08 min
